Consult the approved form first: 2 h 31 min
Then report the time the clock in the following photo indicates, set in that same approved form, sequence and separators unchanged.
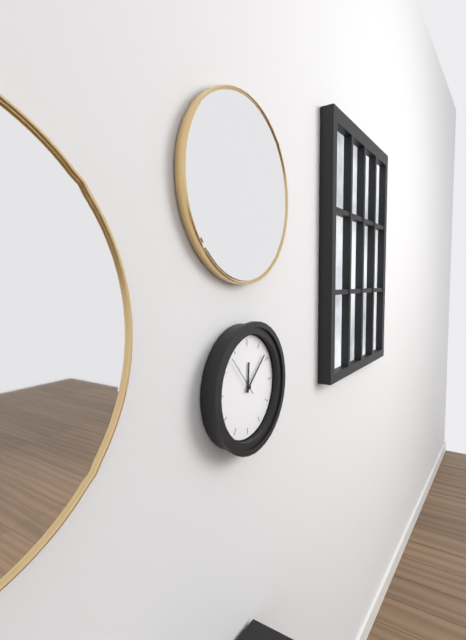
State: 12 h 08 min
